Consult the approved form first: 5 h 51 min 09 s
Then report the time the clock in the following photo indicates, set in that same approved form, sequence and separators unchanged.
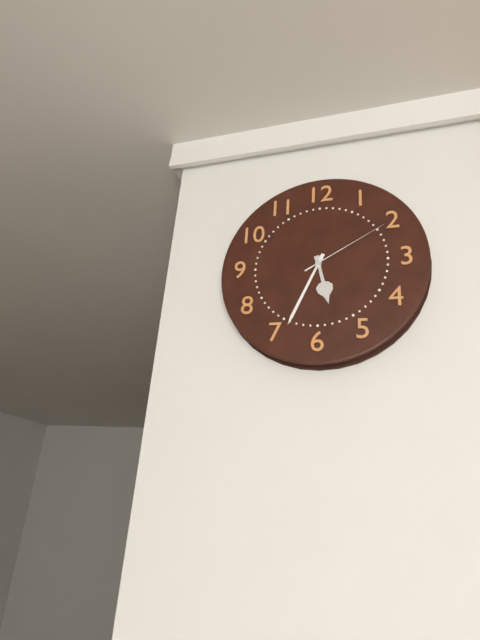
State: 5 h 34 min 10 s
